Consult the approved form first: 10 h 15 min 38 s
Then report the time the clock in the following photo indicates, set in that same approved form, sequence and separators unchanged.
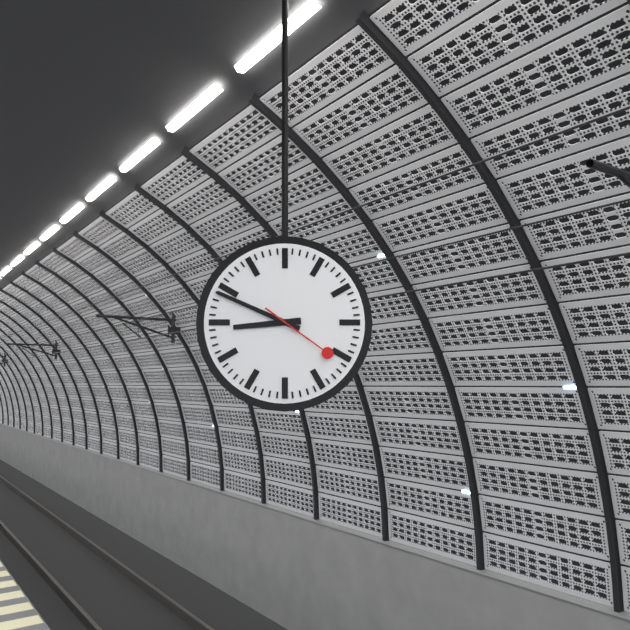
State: 8 h 49 min 21 s
